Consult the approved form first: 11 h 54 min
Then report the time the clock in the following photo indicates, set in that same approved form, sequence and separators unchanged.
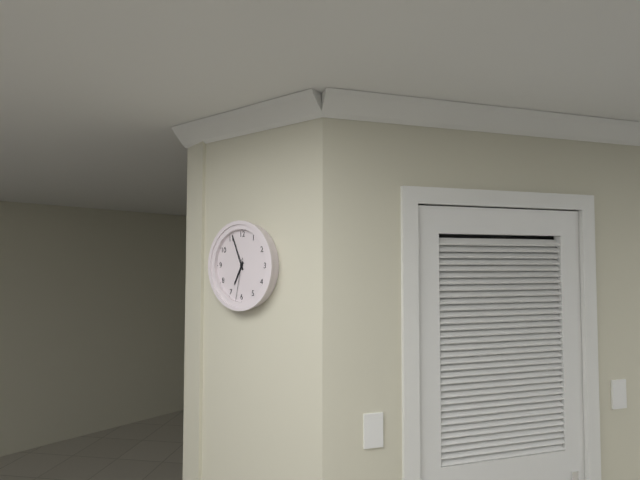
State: 6 h 56 min
